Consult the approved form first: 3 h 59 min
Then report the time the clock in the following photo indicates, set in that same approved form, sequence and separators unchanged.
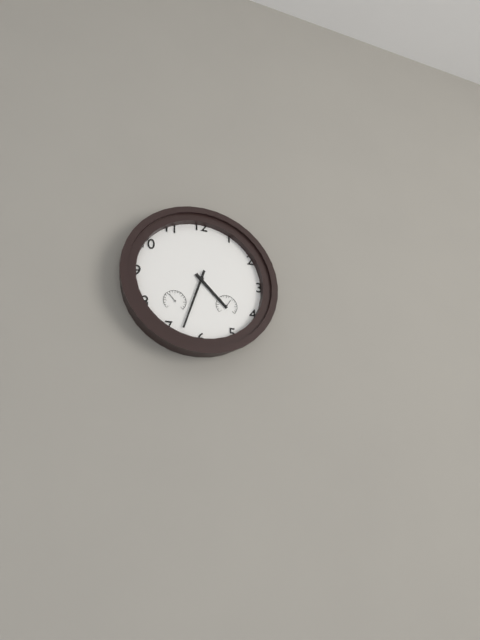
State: 4 h 33 min
